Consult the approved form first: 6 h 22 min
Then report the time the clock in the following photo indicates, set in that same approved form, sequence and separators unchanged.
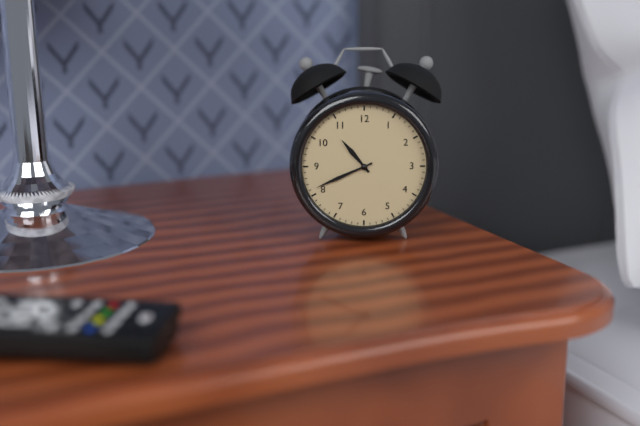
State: 10 h 41 min
